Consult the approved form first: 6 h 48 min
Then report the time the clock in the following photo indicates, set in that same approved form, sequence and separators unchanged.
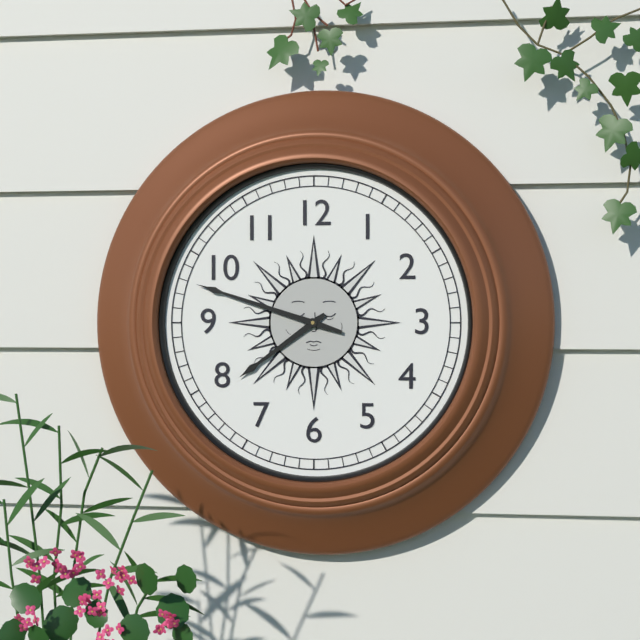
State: 7 h 48 min
